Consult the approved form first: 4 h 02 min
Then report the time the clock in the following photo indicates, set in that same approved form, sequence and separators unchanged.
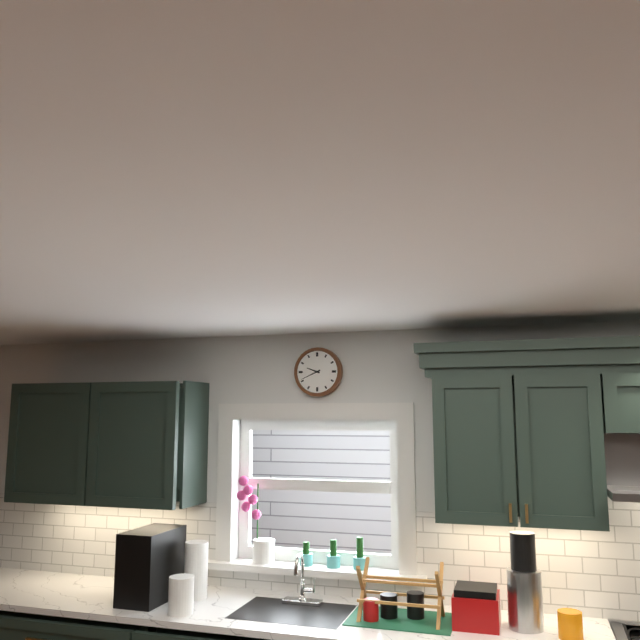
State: 9 h 41 min
